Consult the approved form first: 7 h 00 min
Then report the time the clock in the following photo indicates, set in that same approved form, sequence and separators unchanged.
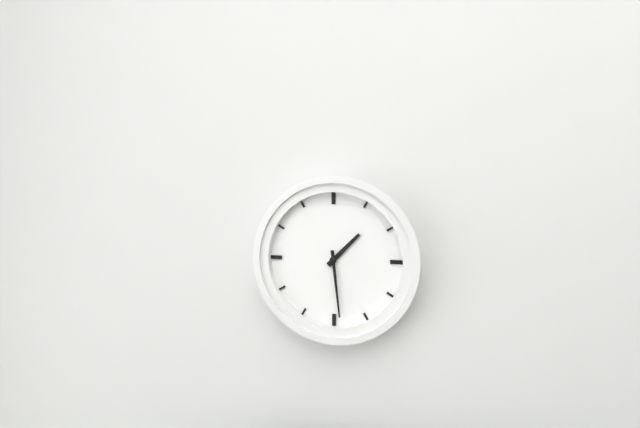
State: 1 h 29 min
